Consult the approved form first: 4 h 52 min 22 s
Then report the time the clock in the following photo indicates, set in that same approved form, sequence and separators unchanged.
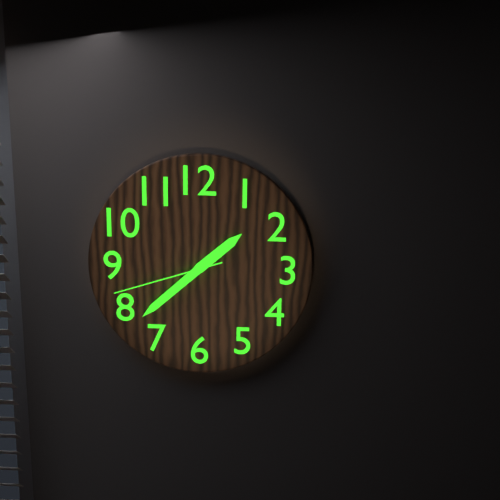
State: 1 h 38 min 42 s
